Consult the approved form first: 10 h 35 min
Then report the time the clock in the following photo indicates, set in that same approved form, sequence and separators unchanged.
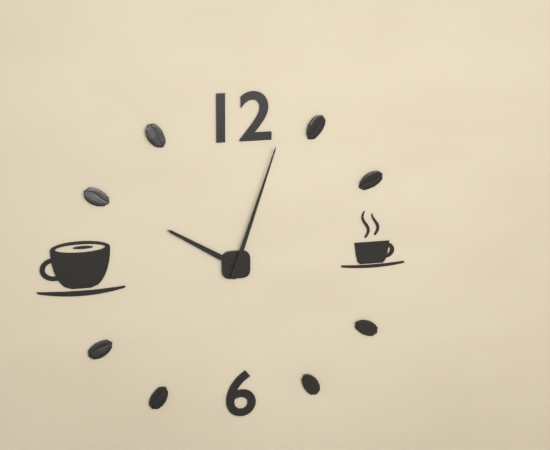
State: 10 h 03 min
